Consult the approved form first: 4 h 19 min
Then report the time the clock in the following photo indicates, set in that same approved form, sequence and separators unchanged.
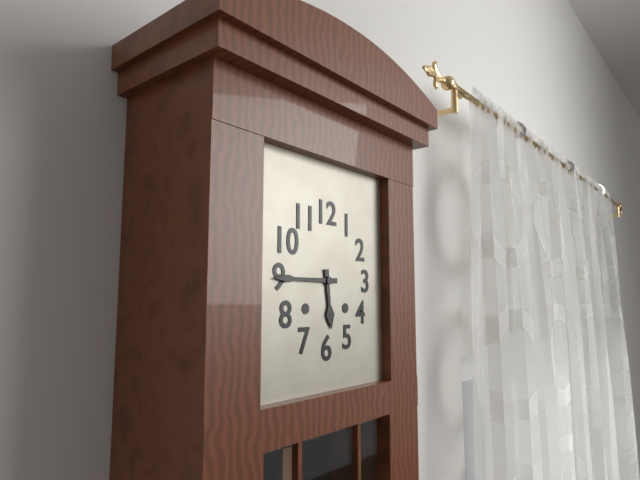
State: 5 h 45 min
